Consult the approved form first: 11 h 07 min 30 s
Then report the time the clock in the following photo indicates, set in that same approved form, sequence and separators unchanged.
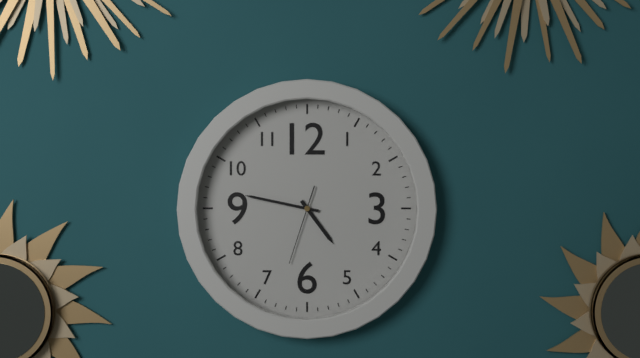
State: 4 h 47 min 33 s
